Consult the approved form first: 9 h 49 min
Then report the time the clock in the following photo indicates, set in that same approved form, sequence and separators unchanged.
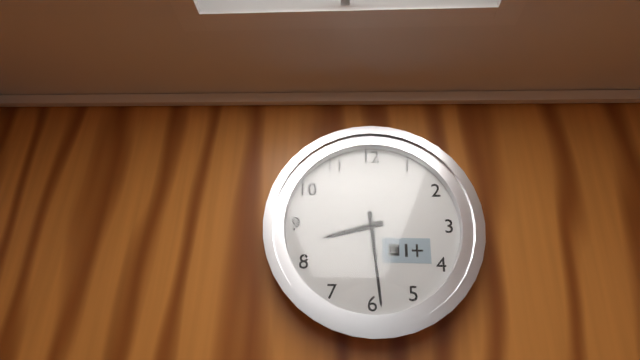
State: 8 h 29 min
